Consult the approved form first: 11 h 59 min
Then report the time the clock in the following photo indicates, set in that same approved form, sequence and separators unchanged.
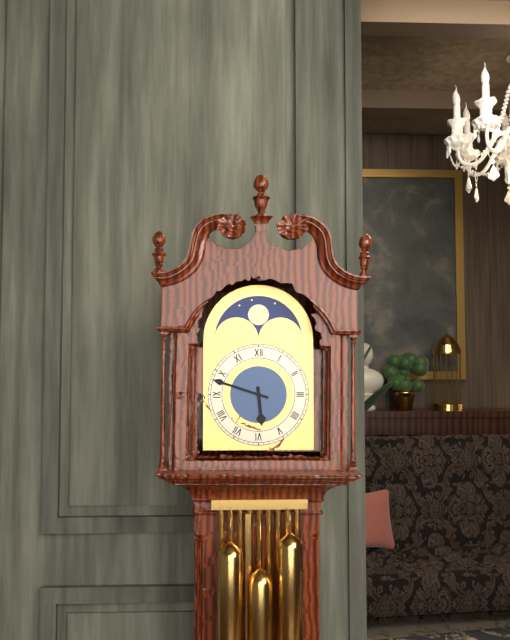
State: 5 h 48 min
